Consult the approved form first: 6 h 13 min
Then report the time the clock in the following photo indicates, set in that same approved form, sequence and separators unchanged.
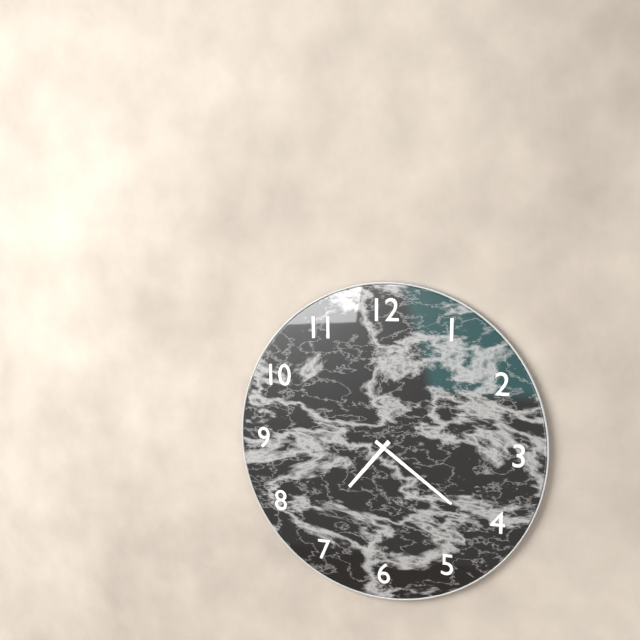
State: 7 h 21 min
